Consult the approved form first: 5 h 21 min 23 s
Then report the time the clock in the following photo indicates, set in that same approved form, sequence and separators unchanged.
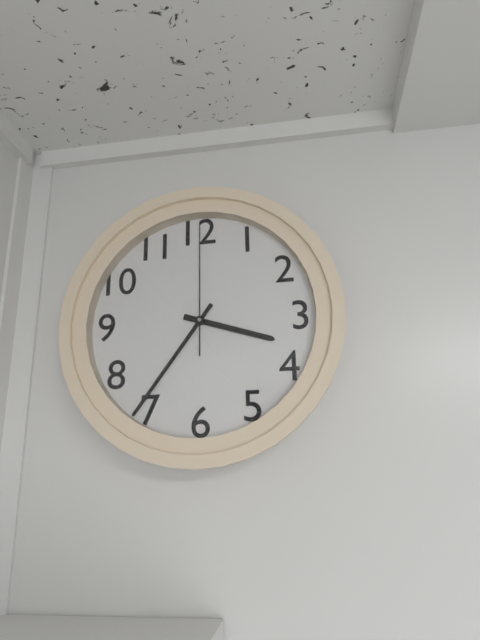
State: 3 h 36 min 00 s
